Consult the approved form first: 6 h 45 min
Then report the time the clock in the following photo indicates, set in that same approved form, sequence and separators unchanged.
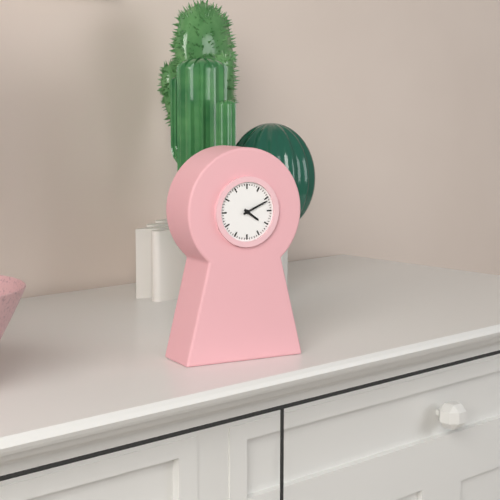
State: 4 h 11 min
